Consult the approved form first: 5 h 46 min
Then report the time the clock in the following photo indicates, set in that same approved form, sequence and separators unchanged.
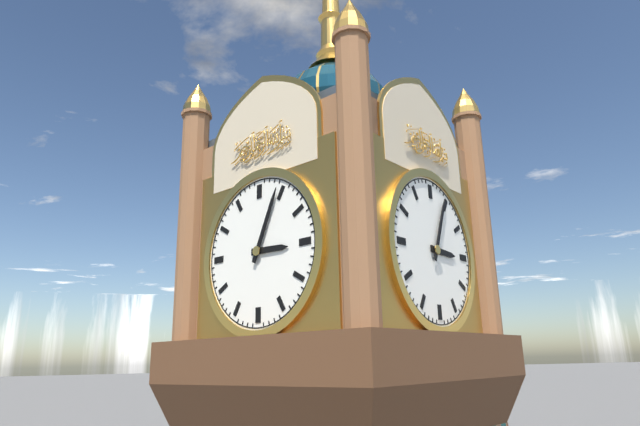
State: 3 h 04 min
